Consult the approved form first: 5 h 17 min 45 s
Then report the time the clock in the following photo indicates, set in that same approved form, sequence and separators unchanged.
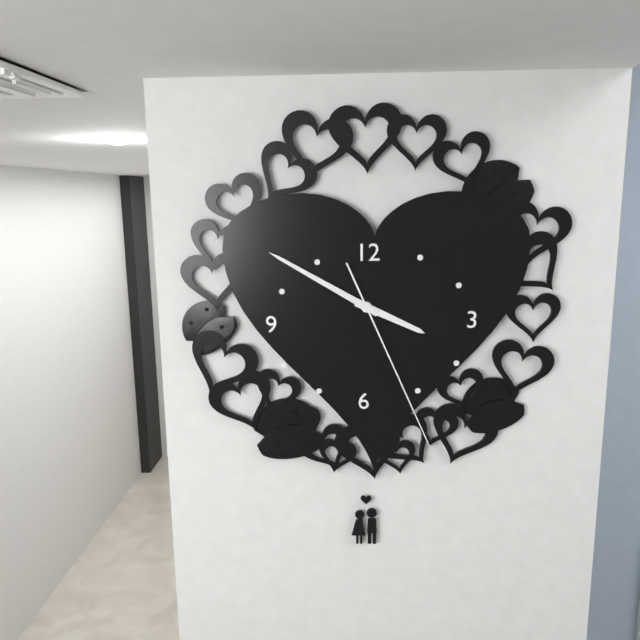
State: 3 h 50 min 26 s
